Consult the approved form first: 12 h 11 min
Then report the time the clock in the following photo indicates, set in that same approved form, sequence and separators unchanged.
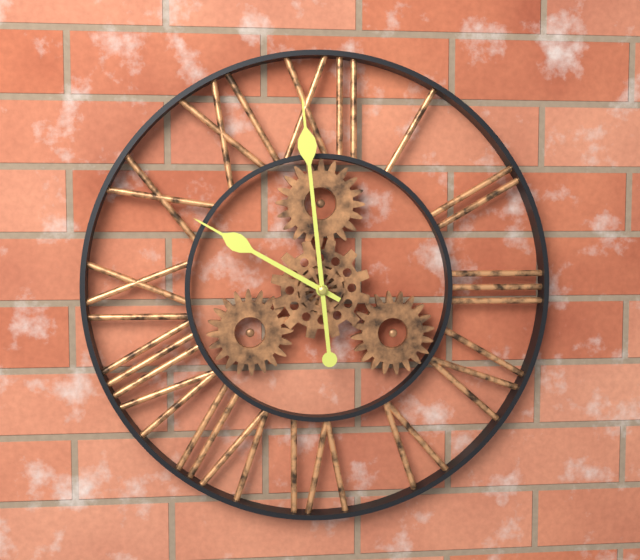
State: 9 h 59 min
